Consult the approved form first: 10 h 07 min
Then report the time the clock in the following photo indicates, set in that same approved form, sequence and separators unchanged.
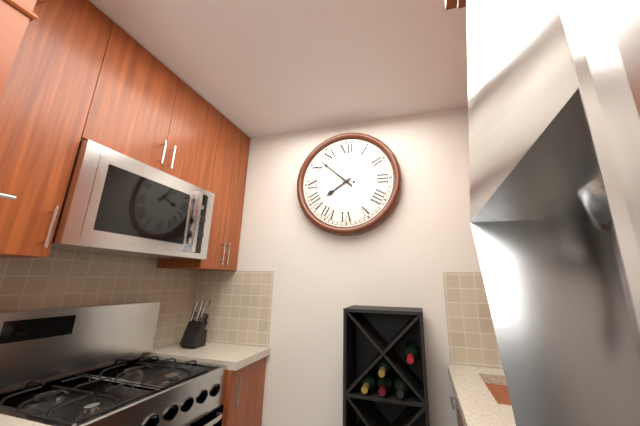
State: 7 h 52 min
